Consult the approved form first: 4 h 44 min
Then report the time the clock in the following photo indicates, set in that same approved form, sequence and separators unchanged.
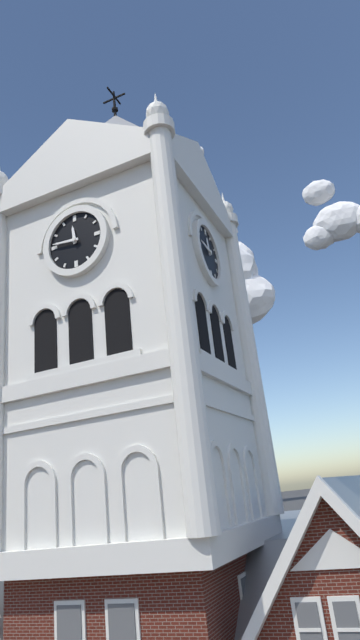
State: 11 h 46 min
